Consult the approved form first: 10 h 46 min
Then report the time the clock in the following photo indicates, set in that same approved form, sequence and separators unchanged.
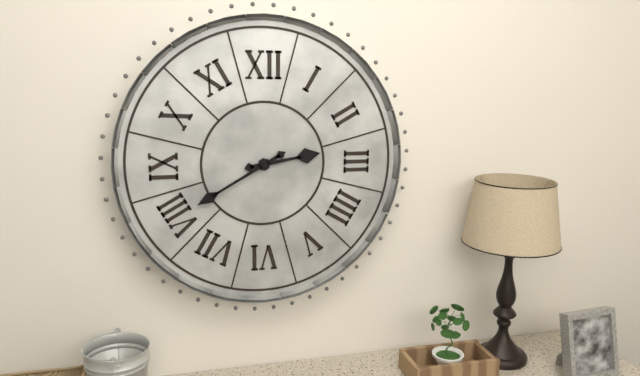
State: 2 h 40 min
